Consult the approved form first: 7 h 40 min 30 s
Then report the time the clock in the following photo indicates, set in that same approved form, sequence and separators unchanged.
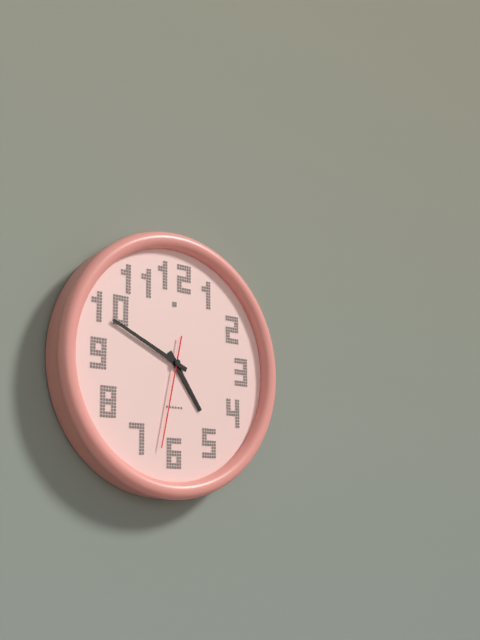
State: 4 h 49 min 32 s
